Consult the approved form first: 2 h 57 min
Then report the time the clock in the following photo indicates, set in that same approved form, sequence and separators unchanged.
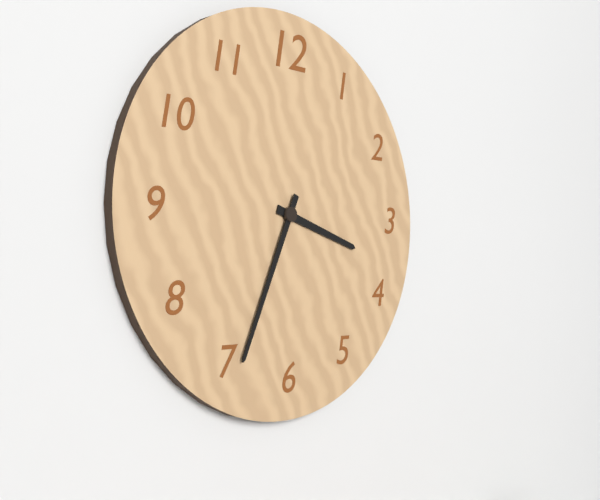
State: 3 h 34 min
